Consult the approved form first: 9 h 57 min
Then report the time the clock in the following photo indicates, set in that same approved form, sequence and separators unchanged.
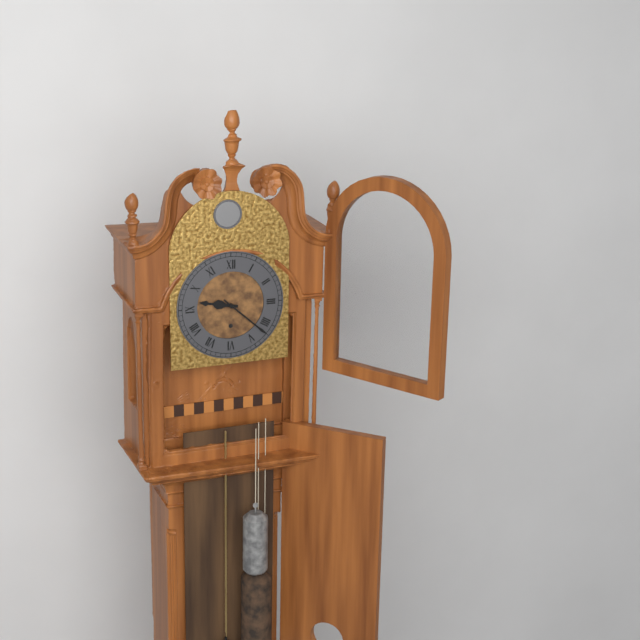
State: 9 h 22 min
